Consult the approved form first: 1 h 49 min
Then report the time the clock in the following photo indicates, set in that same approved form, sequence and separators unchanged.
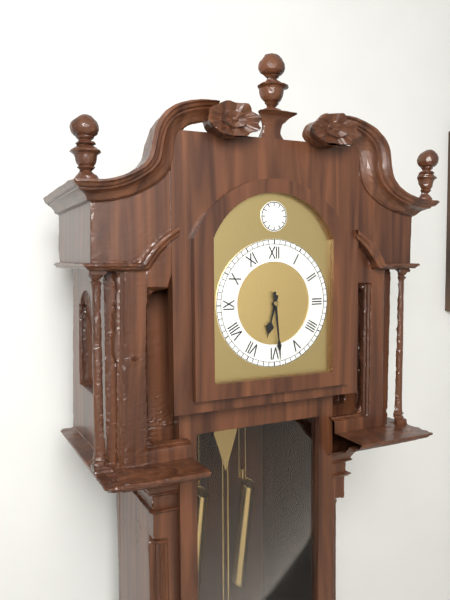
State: 6 h 29 min
